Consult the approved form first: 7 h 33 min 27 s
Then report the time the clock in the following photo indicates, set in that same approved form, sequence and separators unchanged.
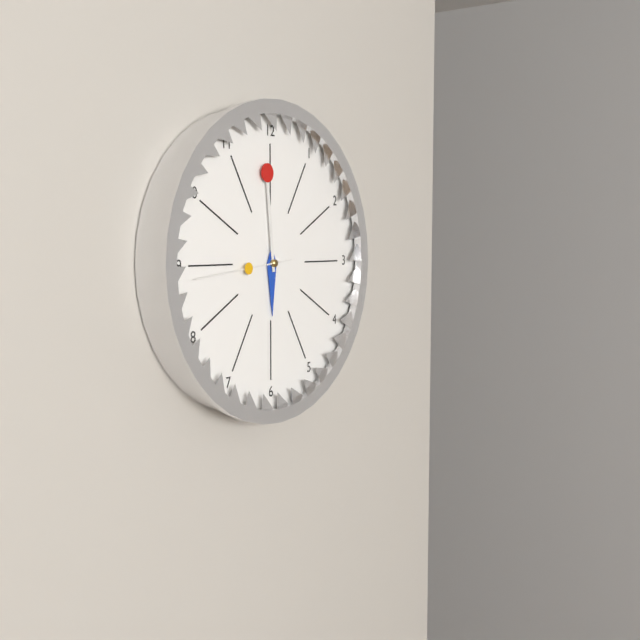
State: 5 h 59 min 44 s
